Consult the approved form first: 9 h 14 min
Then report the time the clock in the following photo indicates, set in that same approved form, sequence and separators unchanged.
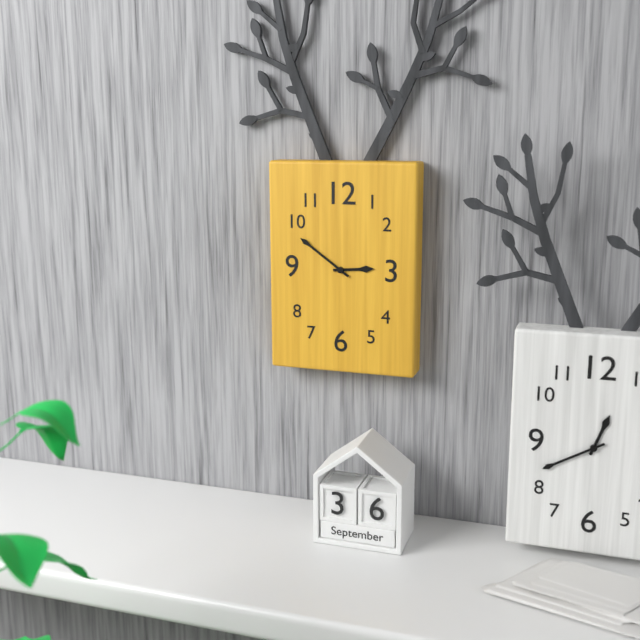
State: 2 h 51 min
